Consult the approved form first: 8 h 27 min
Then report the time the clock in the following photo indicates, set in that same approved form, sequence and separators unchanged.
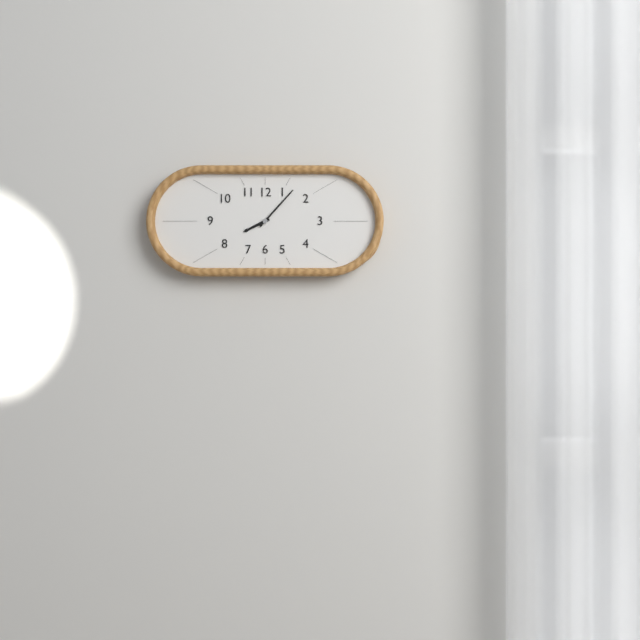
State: 8 h 07 min
